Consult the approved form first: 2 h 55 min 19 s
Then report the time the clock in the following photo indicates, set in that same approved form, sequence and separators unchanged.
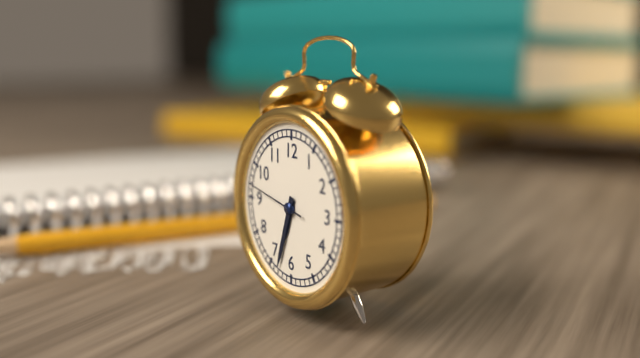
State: 6 h 33 min 47 s
